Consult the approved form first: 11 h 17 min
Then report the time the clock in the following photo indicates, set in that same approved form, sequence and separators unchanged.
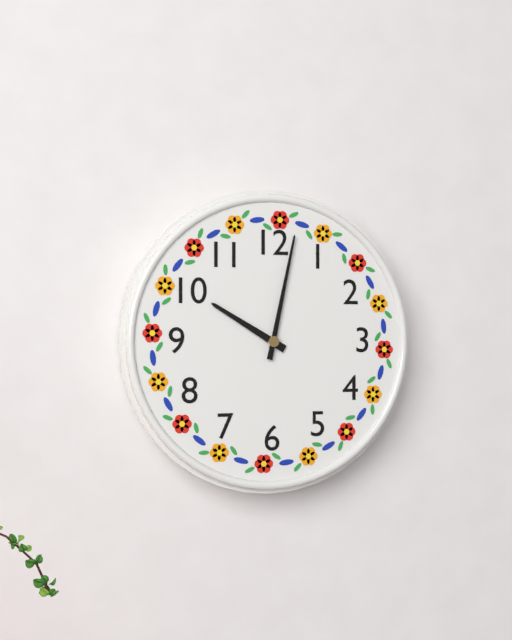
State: 10 h 02 min
